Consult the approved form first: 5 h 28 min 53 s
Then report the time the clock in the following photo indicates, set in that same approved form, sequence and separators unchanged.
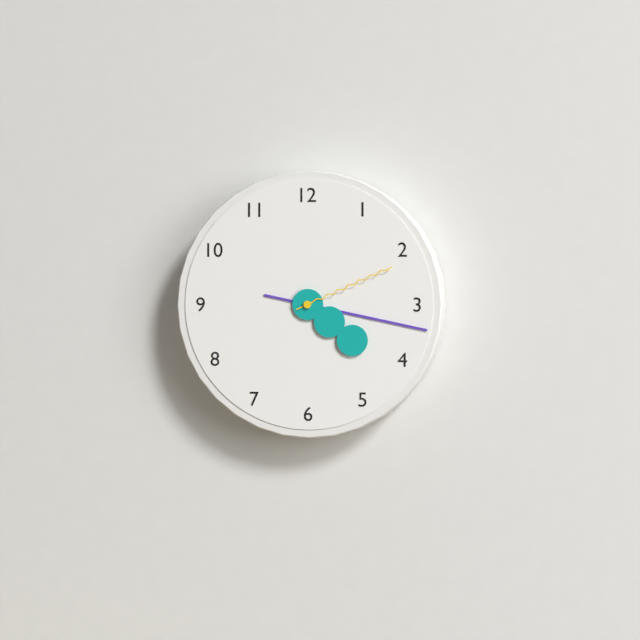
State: 4 h 17 min 11 s
